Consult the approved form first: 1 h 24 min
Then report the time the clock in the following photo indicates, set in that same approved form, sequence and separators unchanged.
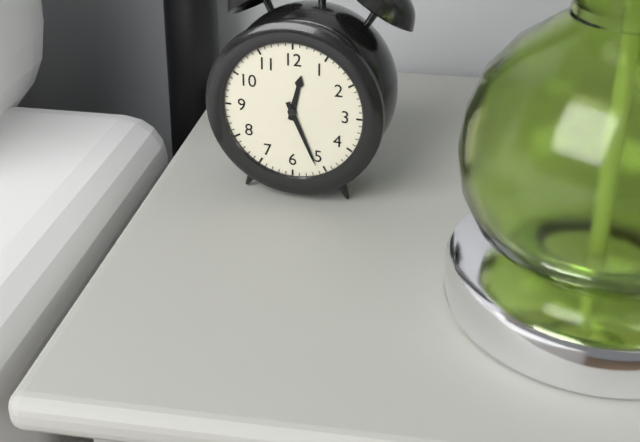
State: 12 h 26 min
